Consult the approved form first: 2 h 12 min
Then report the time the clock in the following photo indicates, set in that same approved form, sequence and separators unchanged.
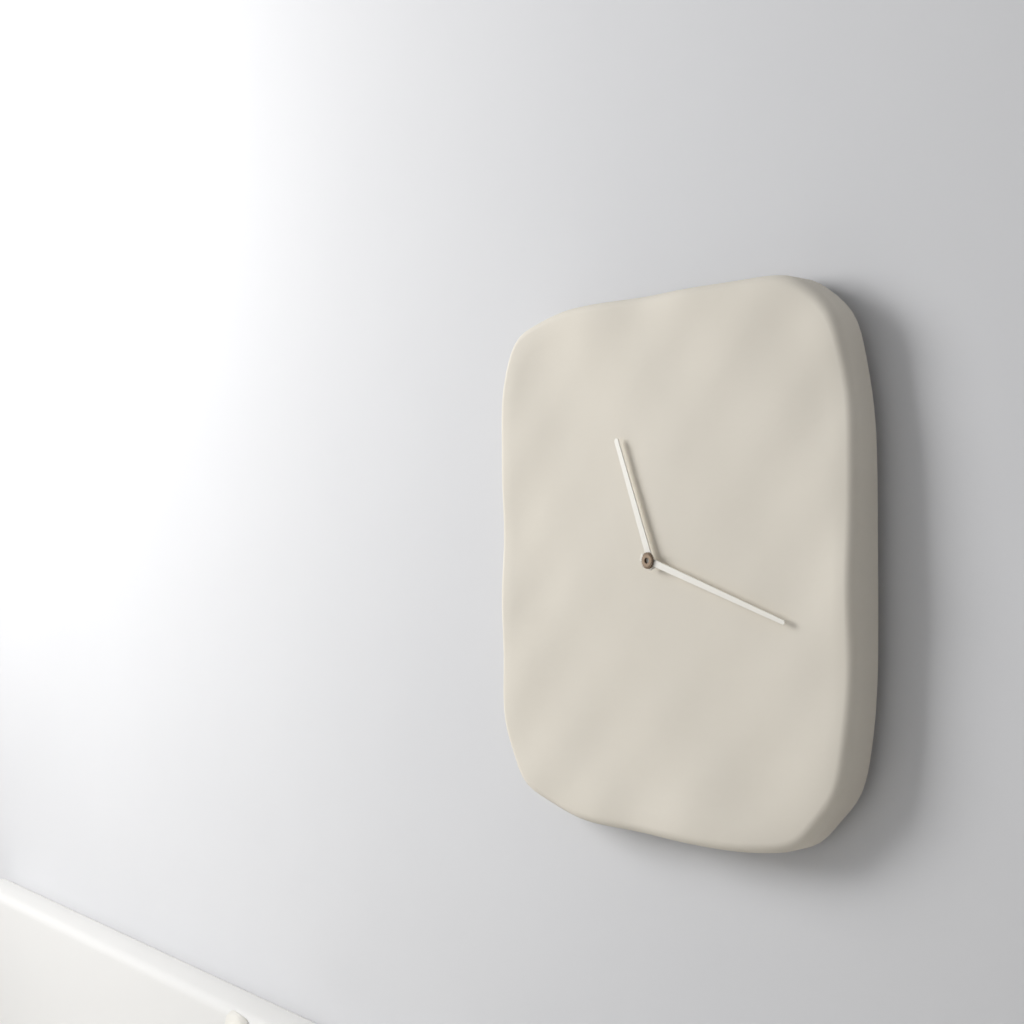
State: 11 h 18 min
